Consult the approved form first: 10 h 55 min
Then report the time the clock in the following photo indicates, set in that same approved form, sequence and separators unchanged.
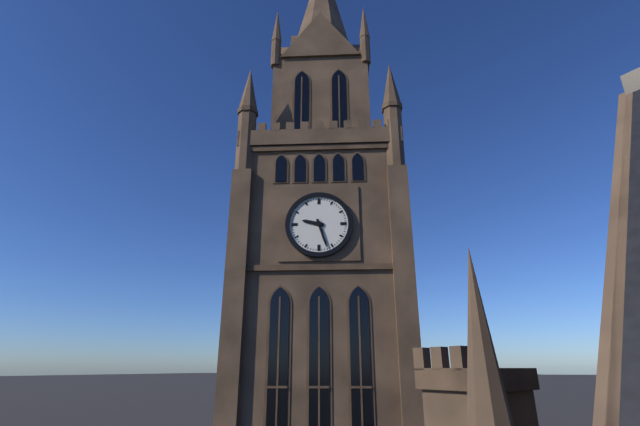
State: 9 h 27 min
